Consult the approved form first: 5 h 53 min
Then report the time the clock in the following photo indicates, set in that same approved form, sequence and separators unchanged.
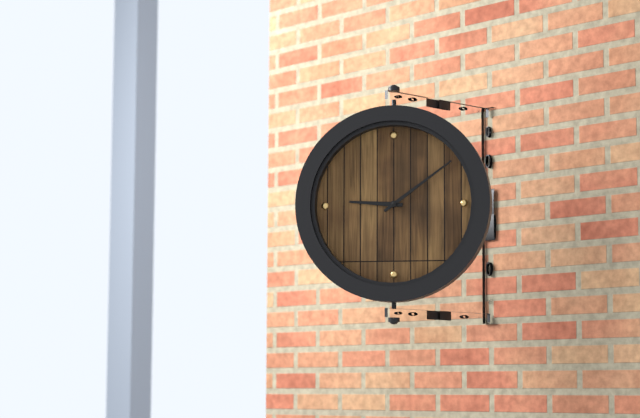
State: 9 h 09 min
